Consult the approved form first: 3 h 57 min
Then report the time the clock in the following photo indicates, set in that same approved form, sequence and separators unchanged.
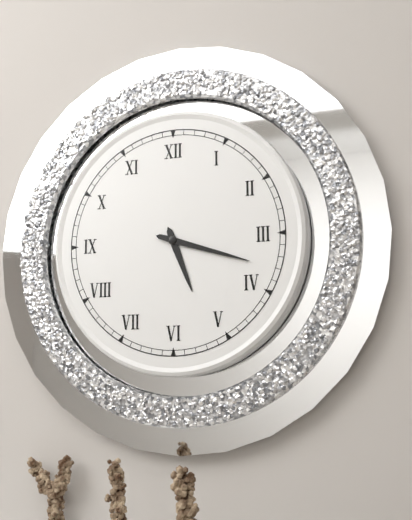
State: 5 h 18 min
